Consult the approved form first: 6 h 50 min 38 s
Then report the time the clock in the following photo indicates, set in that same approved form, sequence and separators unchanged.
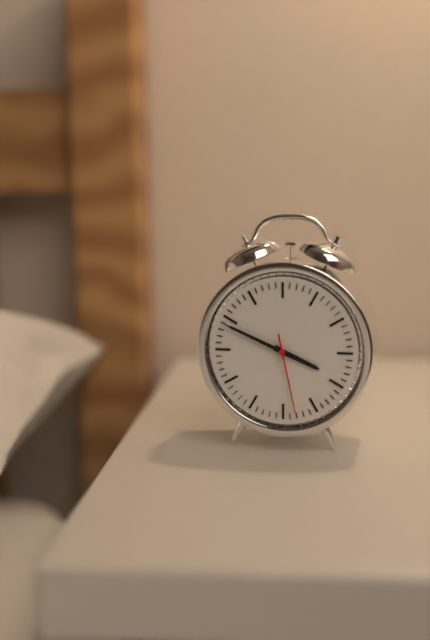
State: 3 h 49 min 28 s
